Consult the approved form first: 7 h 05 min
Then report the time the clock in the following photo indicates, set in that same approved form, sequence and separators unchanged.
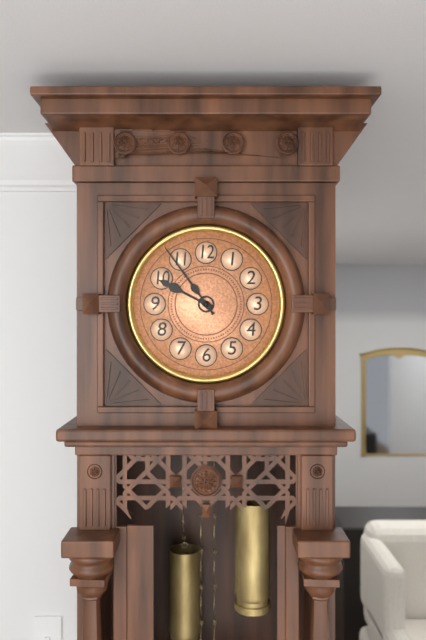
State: 9 h 54 min
